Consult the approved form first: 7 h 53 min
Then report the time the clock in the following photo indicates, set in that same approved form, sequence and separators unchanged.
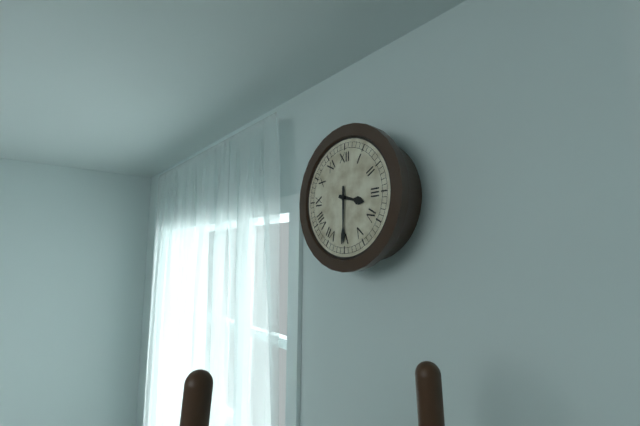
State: 3 h 30 min
